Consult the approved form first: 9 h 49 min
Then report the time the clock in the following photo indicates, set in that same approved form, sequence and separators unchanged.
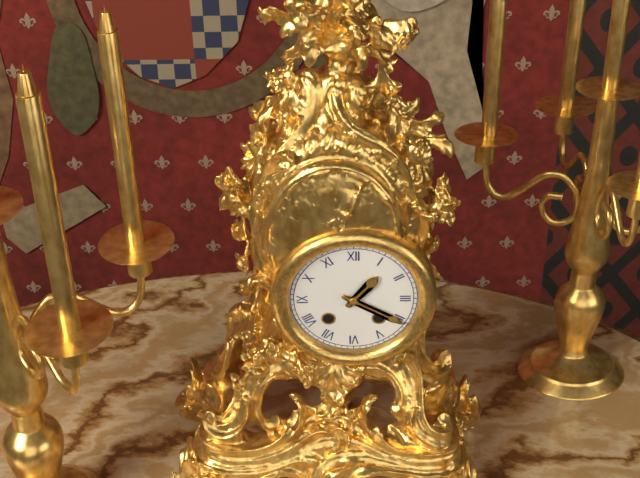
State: 1 h 20 min
